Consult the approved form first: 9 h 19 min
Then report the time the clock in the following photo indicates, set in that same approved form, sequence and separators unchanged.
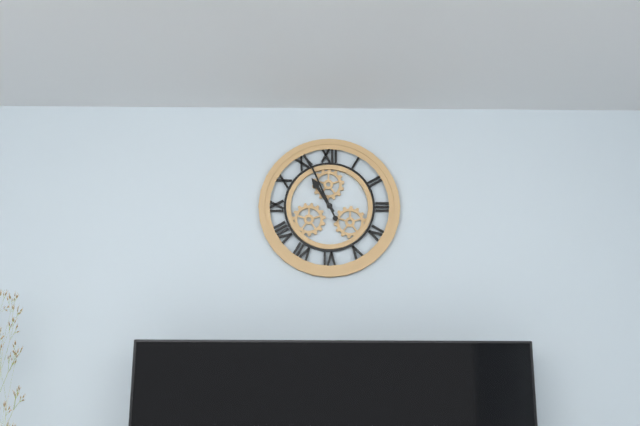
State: 10 h 56 min
